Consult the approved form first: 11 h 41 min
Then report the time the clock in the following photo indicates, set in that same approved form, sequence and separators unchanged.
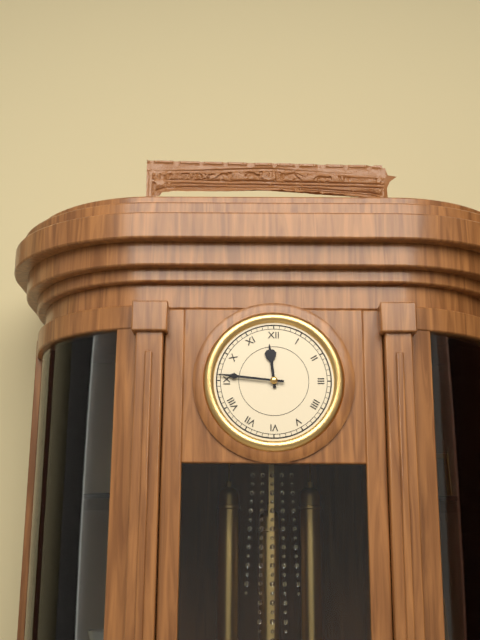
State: 11 h 46 min
